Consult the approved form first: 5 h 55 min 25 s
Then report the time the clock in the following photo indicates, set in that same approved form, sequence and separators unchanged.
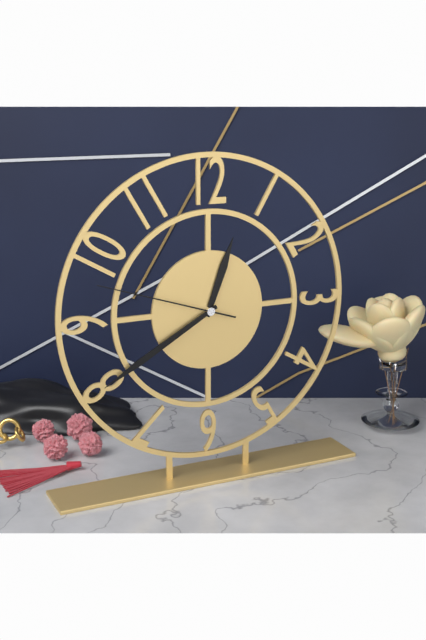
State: 12 h 40 min 48 s
